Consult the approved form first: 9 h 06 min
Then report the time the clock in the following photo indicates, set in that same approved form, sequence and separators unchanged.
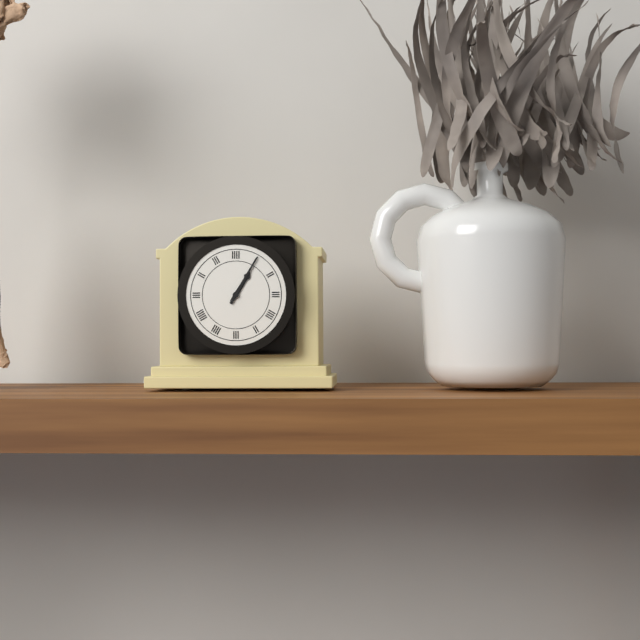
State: 1 h 05 min
